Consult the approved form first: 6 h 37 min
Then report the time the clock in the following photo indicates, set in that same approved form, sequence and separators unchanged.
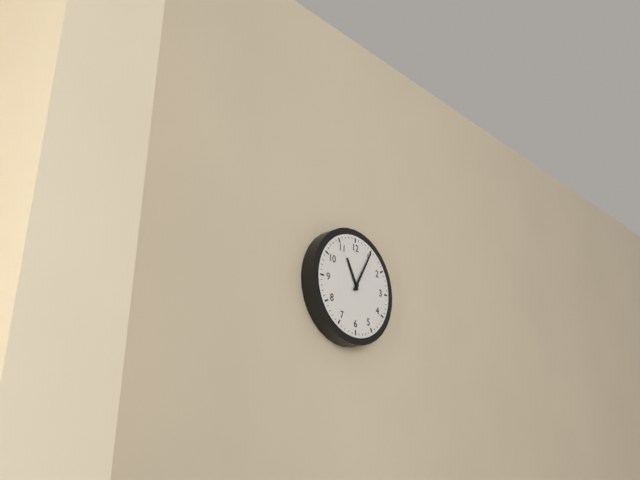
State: 11 h 05 min
